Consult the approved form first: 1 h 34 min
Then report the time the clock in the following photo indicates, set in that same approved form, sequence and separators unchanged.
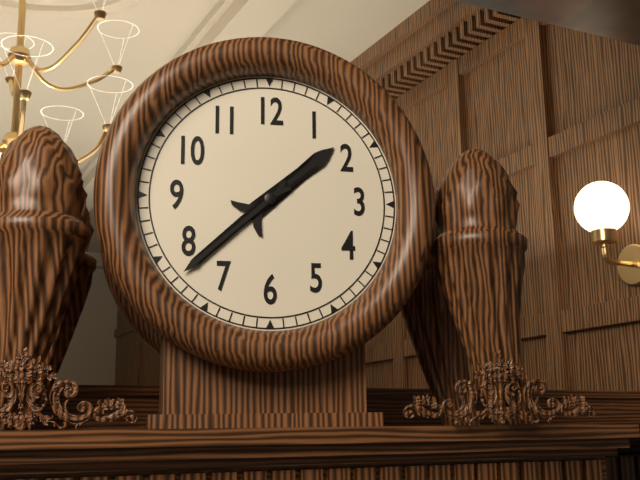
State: 1 h 38 min
